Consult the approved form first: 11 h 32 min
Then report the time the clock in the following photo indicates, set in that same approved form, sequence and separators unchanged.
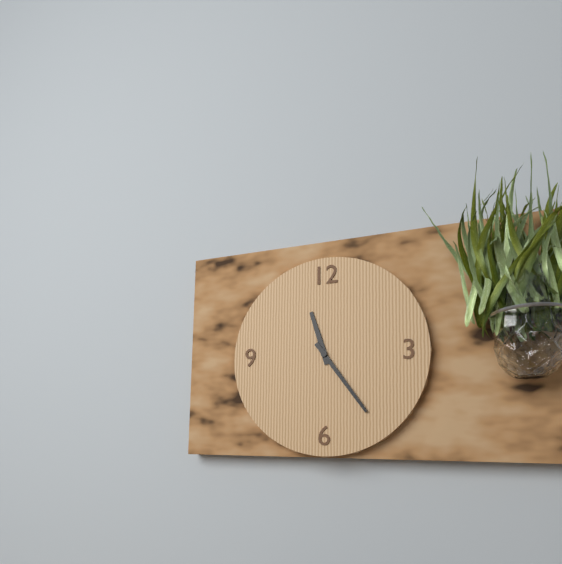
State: 11 h 24 min
